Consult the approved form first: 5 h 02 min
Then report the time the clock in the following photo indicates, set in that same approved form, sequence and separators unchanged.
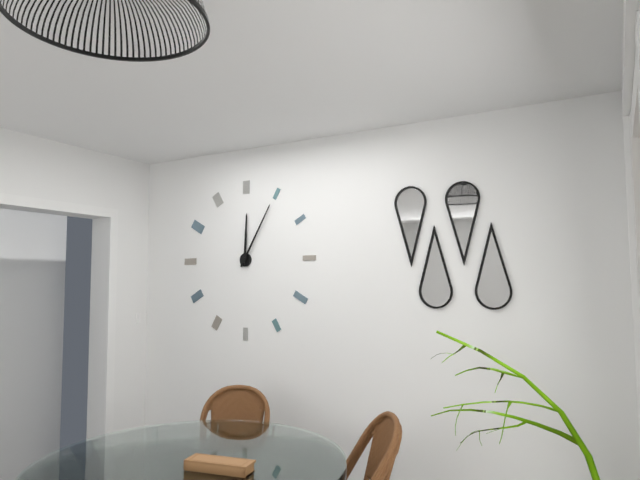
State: 12 h 05 min
